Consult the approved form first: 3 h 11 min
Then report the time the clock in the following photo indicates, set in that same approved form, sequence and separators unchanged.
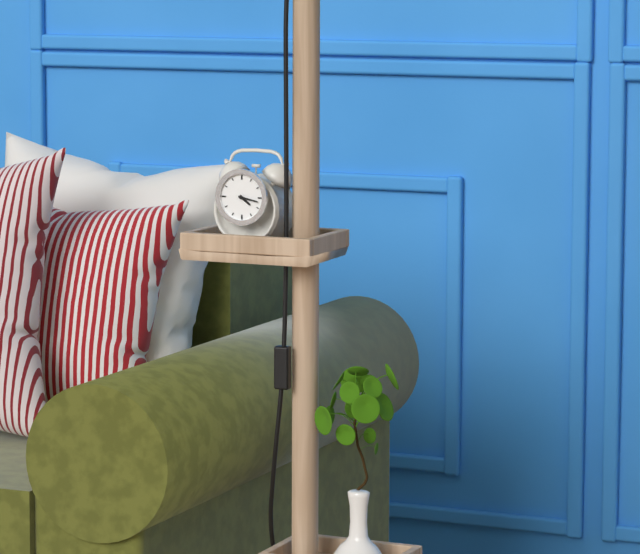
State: 4 h 17 min
